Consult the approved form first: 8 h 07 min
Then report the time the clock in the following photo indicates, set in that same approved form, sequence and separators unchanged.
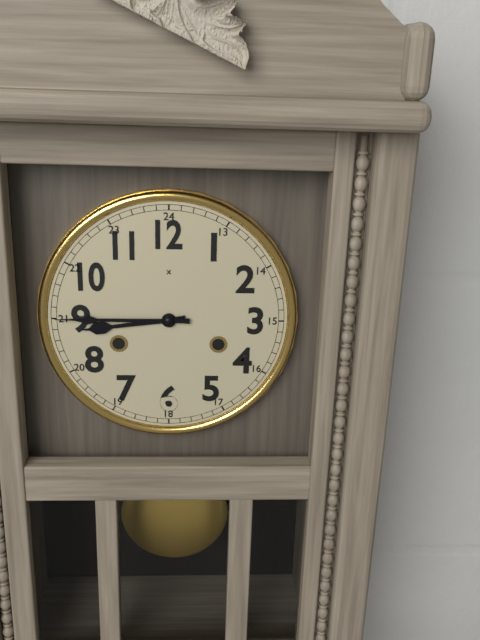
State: 8 h 45 min
